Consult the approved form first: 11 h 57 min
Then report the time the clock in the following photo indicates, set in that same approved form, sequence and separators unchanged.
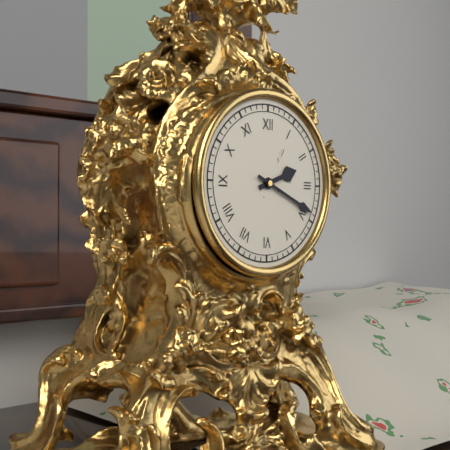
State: 2 h 19 min
